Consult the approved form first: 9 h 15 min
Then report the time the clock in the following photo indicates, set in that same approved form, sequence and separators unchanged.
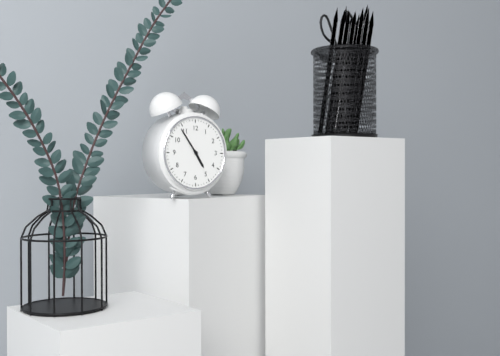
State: 4 h 54 min
